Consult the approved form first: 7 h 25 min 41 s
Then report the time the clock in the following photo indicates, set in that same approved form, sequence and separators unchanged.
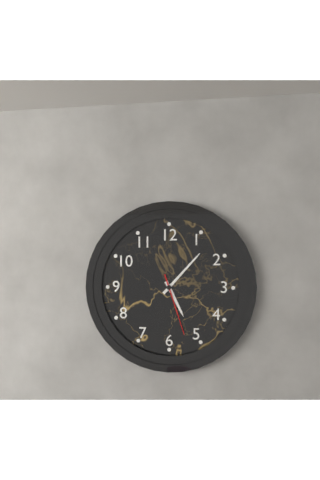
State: 5 h 07 min 27 s
